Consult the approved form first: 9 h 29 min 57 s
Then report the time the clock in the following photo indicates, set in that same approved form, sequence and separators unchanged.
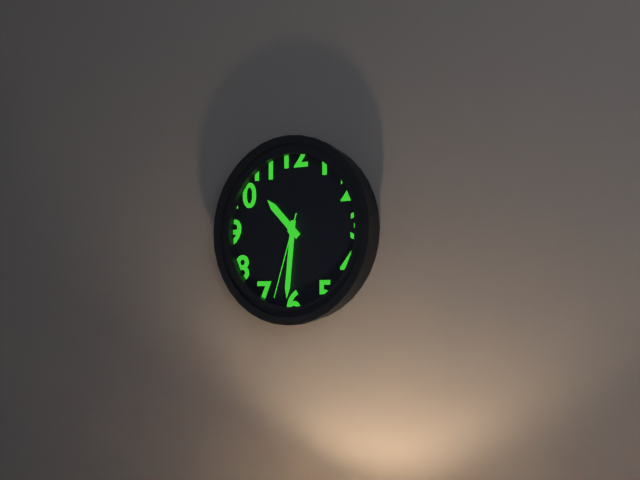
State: 10 h 31 min 33 s
